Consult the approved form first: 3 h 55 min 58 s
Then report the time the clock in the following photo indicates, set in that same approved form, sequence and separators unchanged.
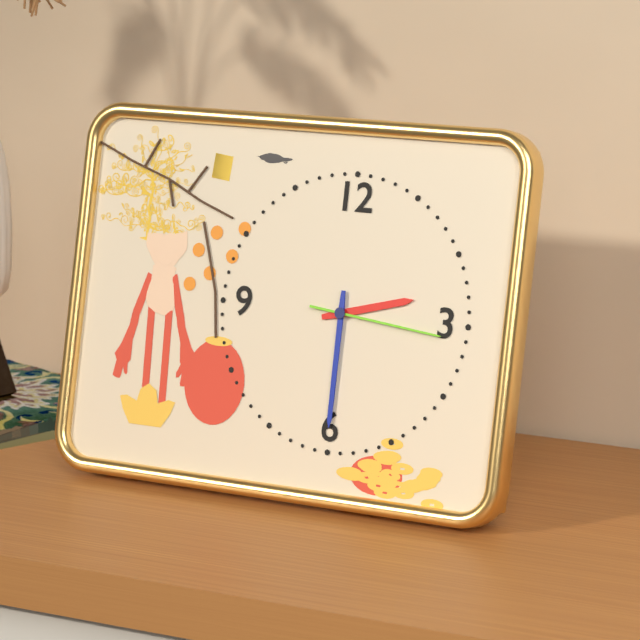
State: 2 h 30 min 16 s
